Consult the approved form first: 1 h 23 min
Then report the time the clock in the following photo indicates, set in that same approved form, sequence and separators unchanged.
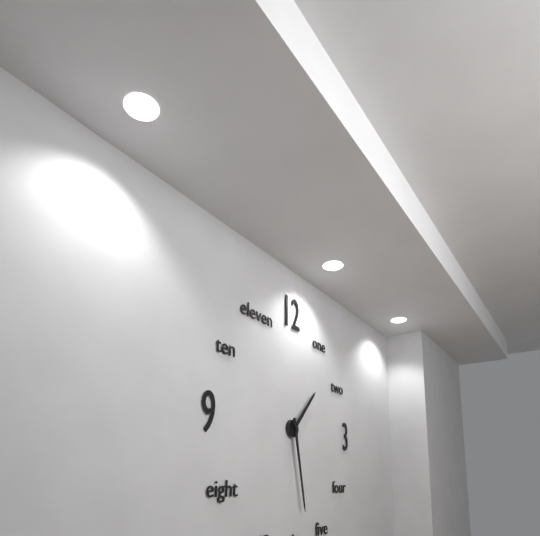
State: 1 h 28 min
